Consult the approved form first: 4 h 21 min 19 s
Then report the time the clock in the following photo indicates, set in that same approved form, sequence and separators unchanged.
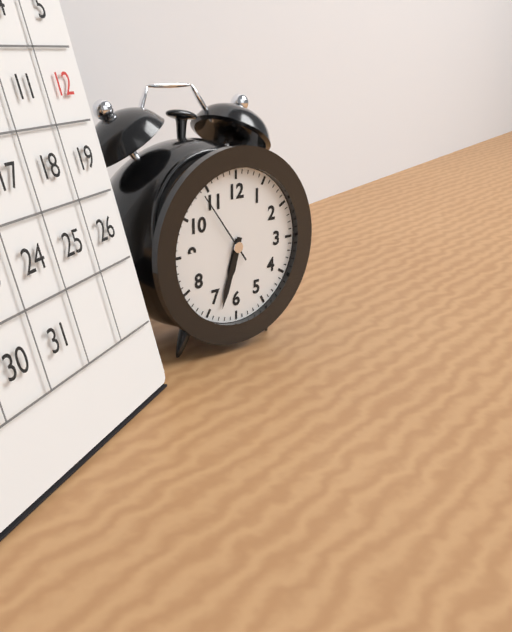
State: 6 h 33 min 54 s
